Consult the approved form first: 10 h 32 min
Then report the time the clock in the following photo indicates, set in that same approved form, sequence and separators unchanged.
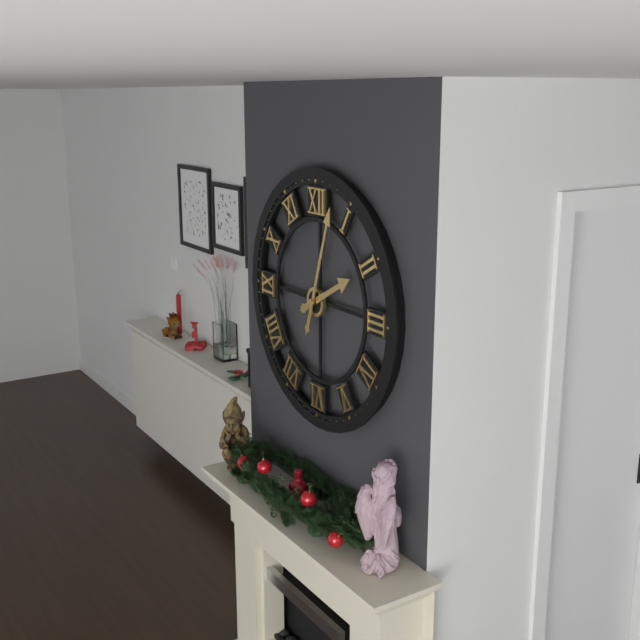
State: 2 h 03 min
